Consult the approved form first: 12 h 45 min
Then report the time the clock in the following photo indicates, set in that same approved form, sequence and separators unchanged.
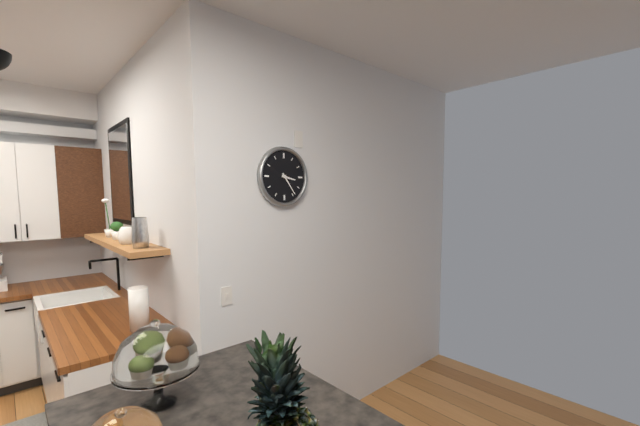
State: 3 h 24 min
